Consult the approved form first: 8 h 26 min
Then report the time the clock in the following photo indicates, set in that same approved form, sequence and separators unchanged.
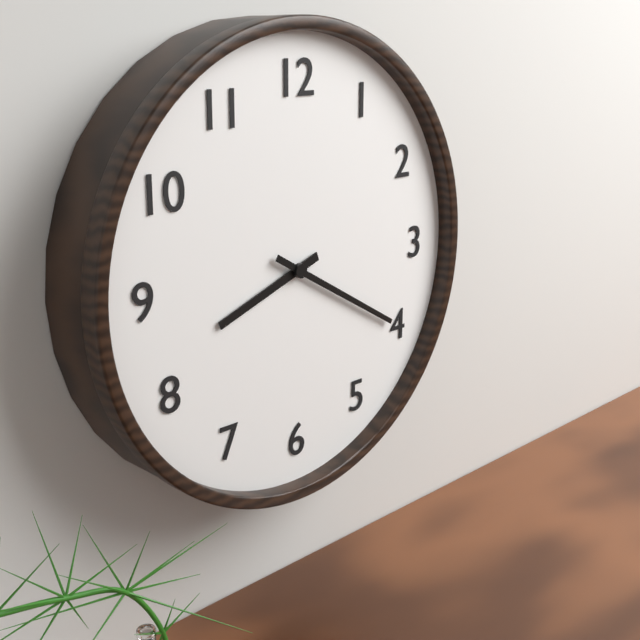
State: 8 h 20 min
